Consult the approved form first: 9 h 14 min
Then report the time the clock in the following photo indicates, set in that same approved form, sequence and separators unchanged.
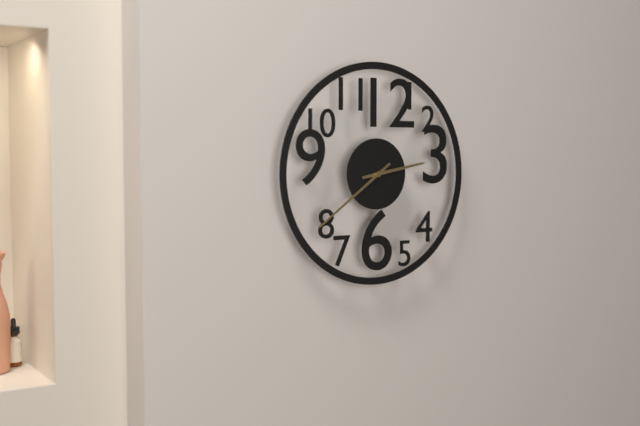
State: 2 h 39 min
